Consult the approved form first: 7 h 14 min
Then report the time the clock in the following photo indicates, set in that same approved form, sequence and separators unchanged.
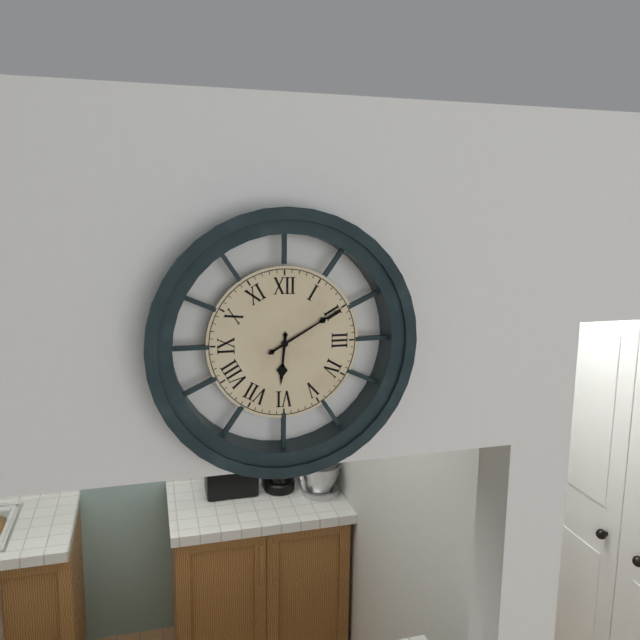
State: 6 h 10 min
